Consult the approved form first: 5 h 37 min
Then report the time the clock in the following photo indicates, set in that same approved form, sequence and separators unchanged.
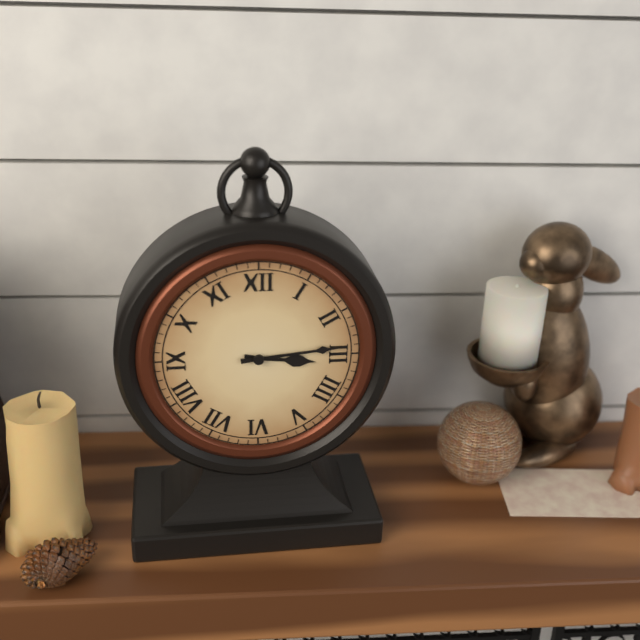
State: 3 h 14 min
